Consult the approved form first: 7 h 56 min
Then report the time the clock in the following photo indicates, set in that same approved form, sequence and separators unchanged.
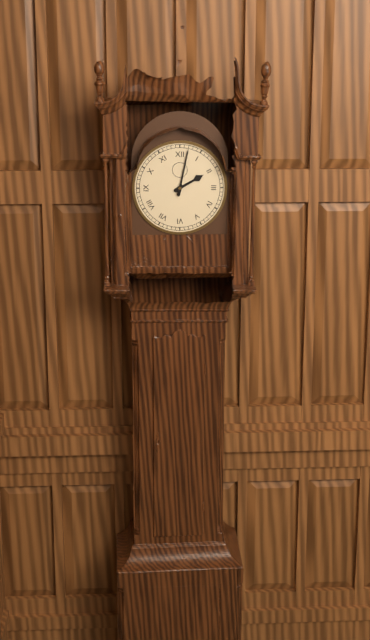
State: 2 h 02 min
